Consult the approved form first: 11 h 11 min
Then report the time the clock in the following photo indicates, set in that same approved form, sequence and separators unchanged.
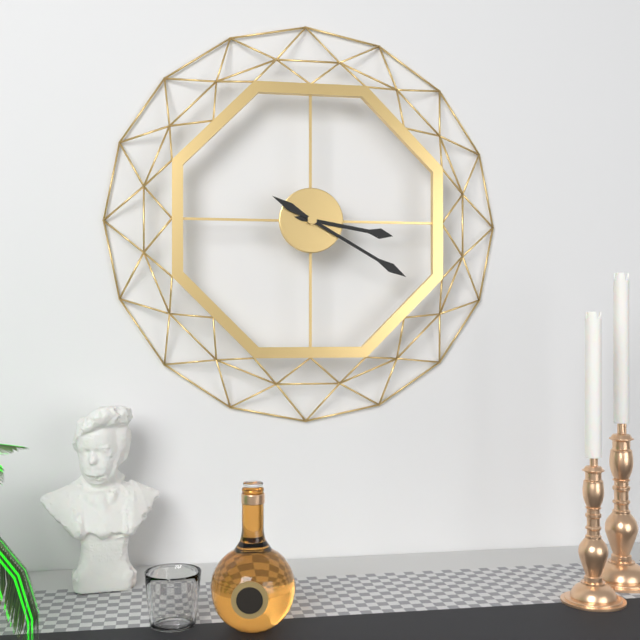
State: 3 h 20 min
